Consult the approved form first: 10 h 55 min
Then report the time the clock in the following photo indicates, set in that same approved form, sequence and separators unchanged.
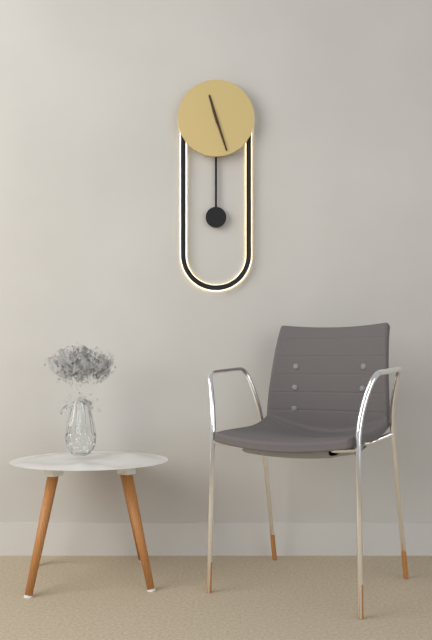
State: 11 h 27 min
